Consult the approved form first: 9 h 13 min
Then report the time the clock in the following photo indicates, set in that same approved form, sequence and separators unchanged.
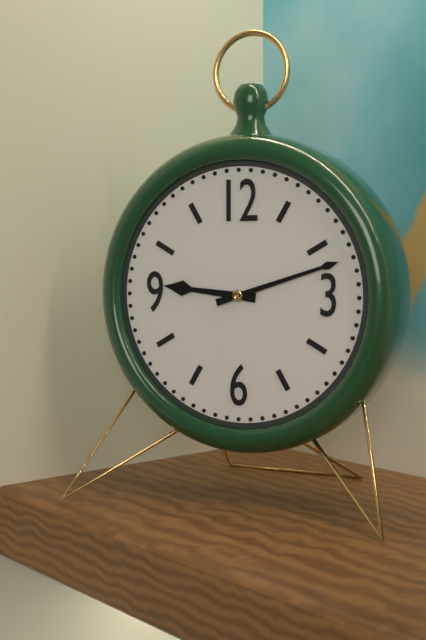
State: 9 h 12 min
